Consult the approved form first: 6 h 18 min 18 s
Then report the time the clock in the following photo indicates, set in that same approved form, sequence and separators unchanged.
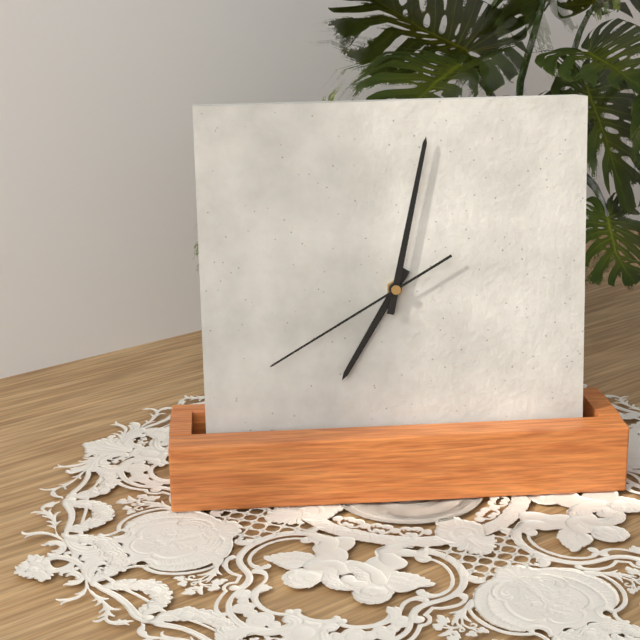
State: 7 h 02 min 40 s
